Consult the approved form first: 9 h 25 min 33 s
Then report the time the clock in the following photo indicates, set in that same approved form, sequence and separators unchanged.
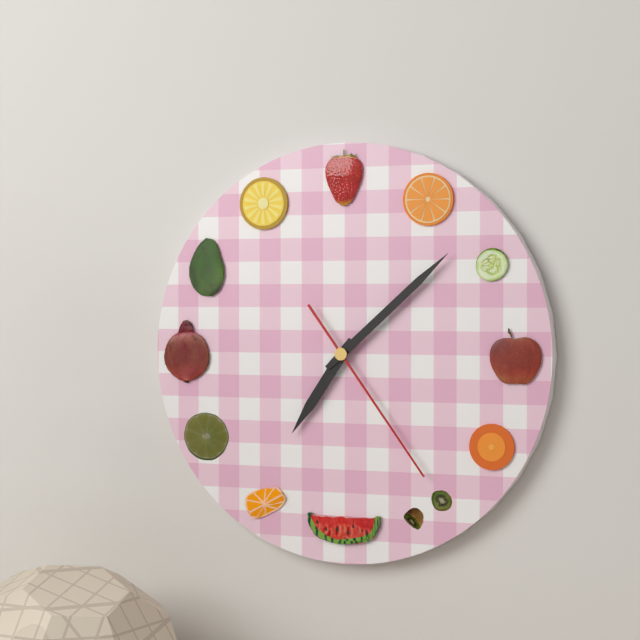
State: 7 h 08 min 24 s
